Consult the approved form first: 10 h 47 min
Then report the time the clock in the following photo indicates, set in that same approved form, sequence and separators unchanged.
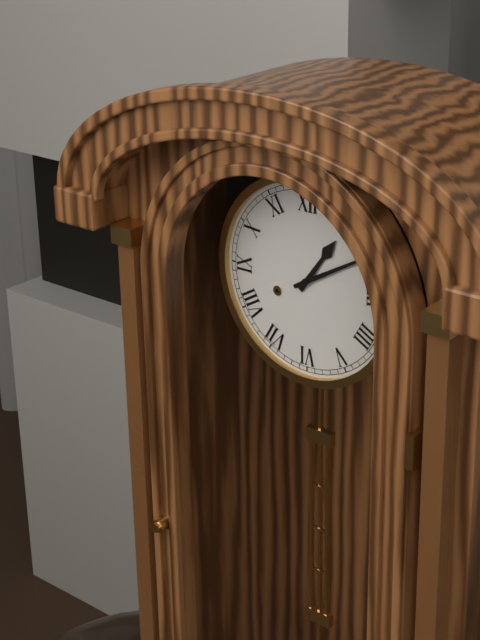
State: 1 h 10 min
